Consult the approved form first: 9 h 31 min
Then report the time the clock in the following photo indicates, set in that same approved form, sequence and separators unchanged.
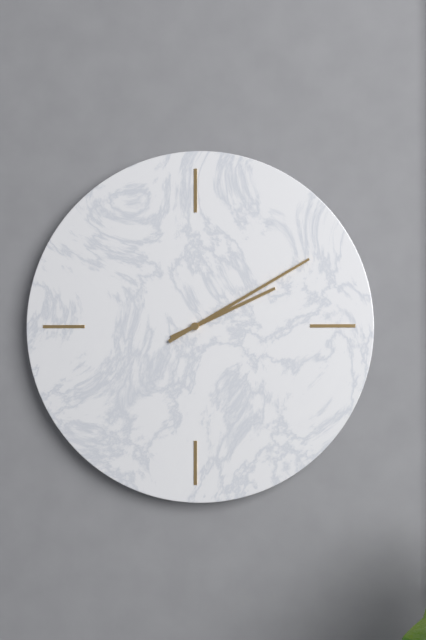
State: 2 h 10 min
